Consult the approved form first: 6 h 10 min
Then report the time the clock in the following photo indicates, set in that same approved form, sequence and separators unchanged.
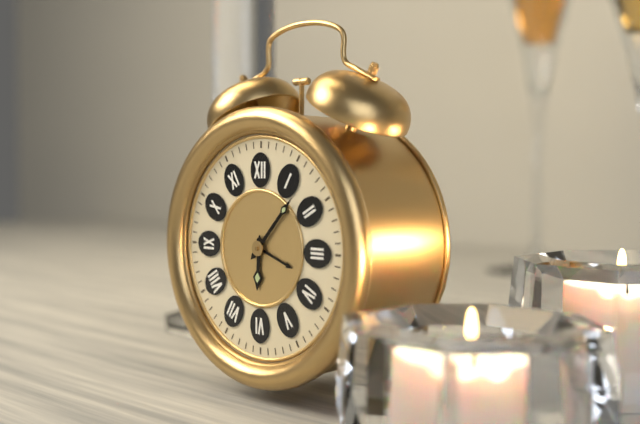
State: 6 h 07 min
